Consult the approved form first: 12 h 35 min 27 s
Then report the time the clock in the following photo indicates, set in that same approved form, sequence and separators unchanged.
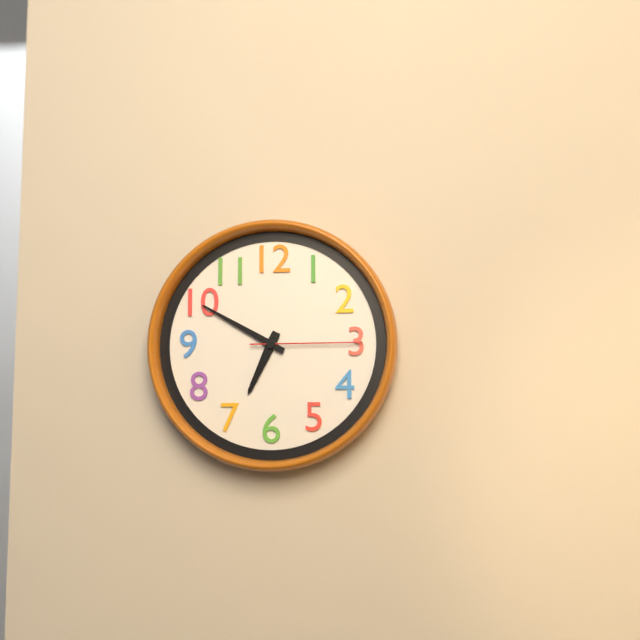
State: 6 h 50 min 15 s
